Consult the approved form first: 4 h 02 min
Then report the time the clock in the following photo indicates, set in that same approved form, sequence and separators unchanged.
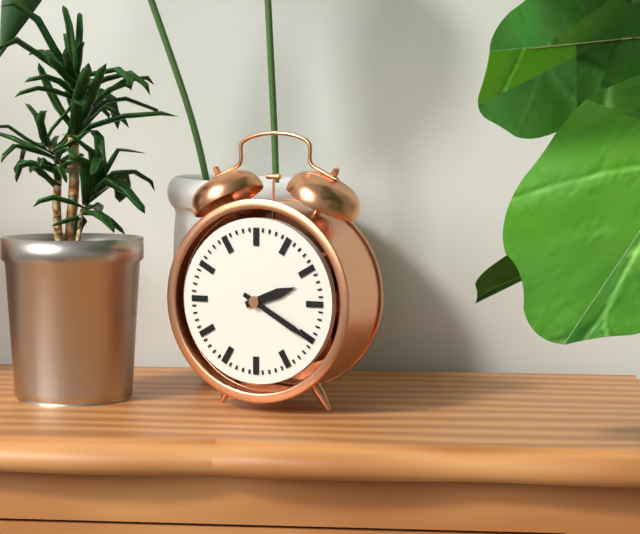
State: 2 h 20 min
